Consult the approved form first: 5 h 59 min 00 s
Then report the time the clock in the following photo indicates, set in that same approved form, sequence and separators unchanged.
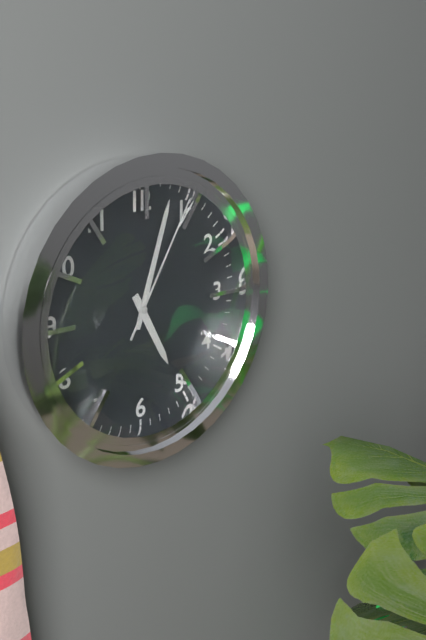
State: 5 h 03 min 05 s
